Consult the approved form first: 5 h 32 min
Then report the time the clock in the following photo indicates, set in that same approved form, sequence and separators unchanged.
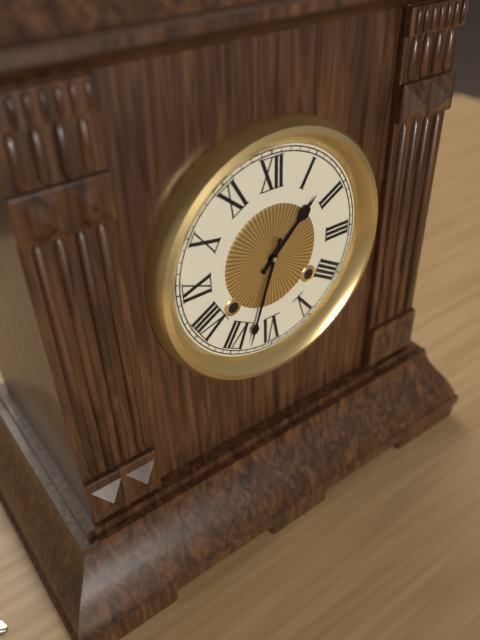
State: 1 h 33 min
